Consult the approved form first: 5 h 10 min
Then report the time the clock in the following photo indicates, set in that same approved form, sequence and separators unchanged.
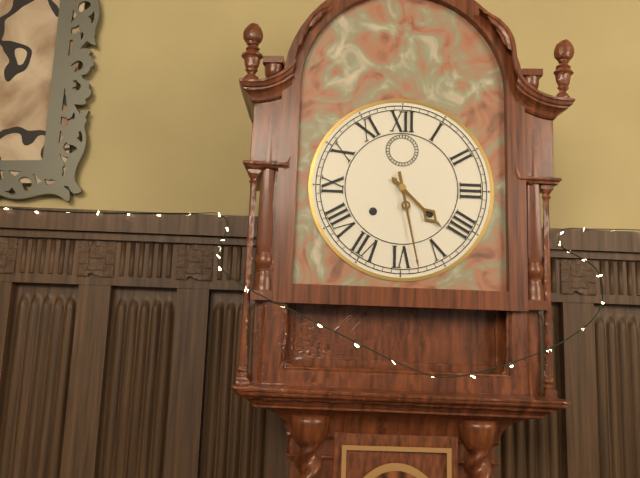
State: 4 h 28 min
